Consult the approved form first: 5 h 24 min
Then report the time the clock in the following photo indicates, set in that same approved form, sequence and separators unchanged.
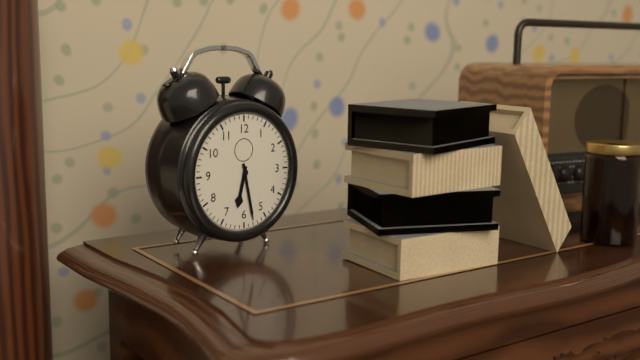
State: 6 h 28 min
